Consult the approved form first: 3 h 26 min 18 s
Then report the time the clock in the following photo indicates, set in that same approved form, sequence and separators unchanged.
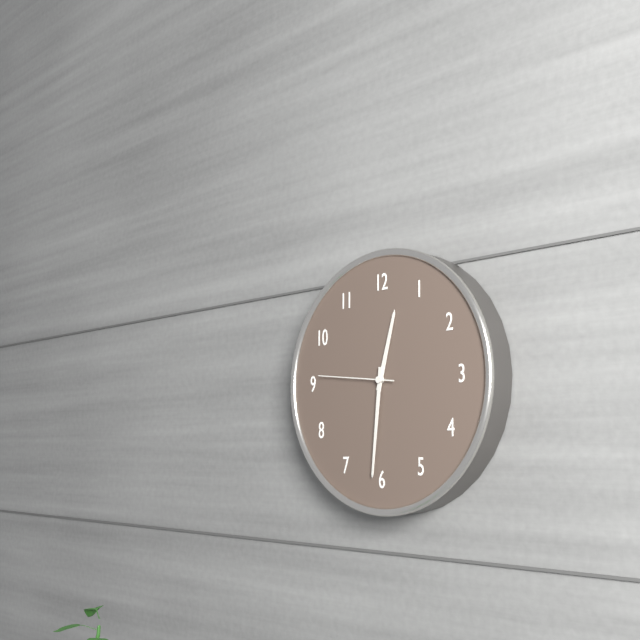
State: 12 h 31 min 46 s
